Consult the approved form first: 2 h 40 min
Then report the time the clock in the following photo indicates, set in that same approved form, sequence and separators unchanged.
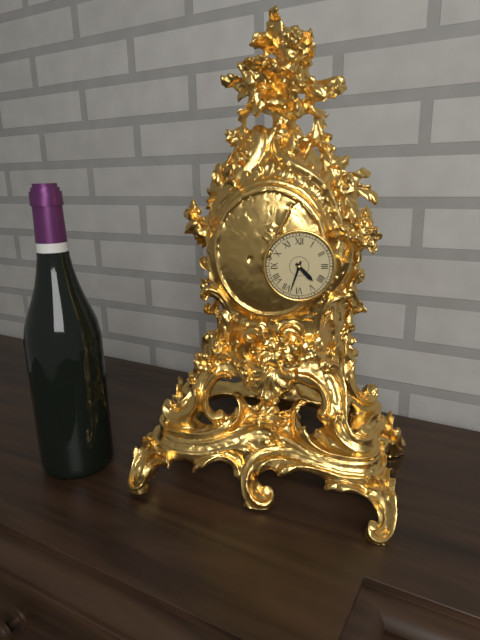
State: 4 h 33 min
